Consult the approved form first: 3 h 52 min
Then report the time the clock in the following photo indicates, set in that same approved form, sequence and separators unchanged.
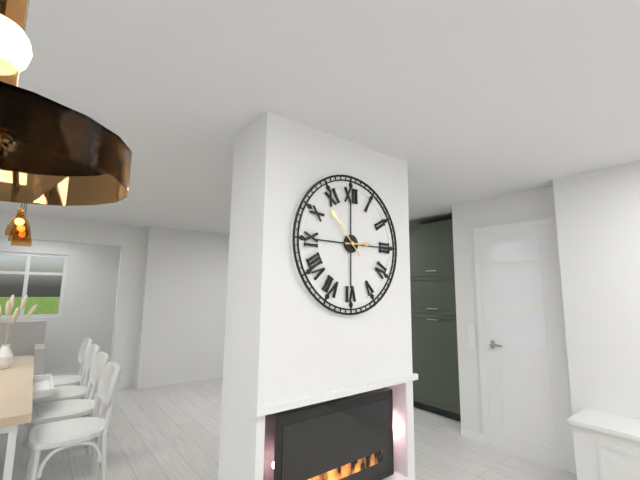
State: 2 h 53 min
